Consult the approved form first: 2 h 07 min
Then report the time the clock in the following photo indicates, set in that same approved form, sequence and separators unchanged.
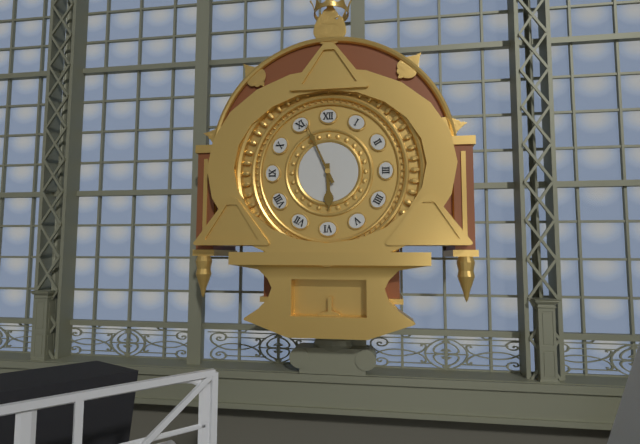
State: 5 h 56 min
